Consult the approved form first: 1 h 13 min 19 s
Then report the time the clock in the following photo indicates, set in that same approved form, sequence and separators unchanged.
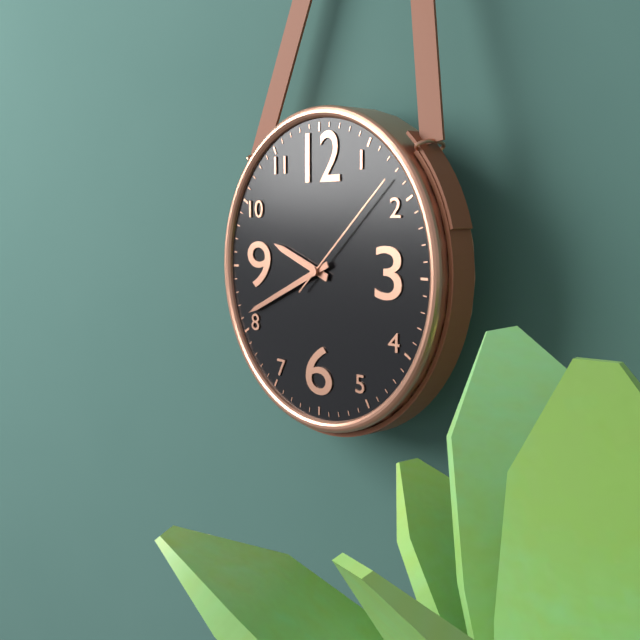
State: 9 h 41 min 08 s
